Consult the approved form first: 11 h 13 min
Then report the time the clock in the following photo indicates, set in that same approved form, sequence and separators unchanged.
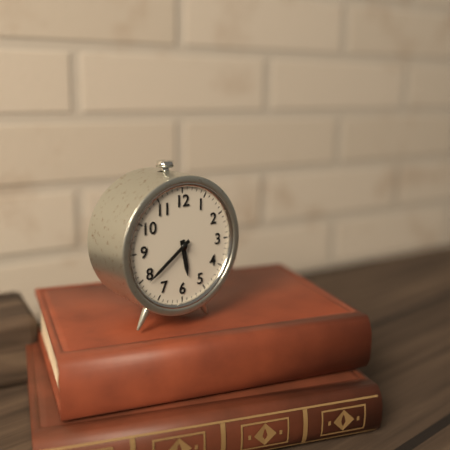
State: 5 h 39 min
